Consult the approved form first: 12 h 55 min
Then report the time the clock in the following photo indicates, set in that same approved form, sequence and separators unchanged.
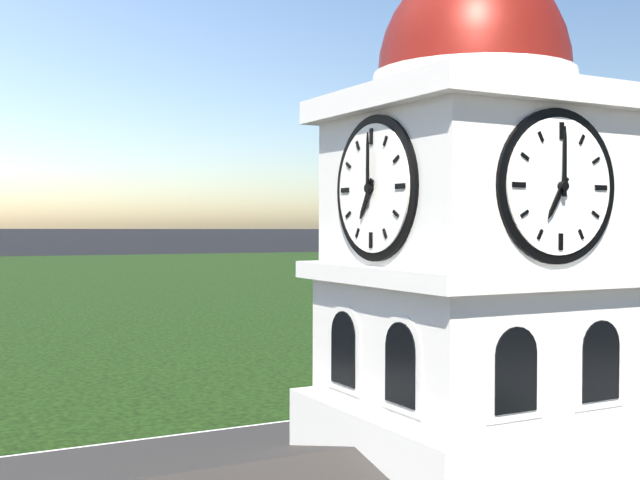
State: 7 h 00 min
